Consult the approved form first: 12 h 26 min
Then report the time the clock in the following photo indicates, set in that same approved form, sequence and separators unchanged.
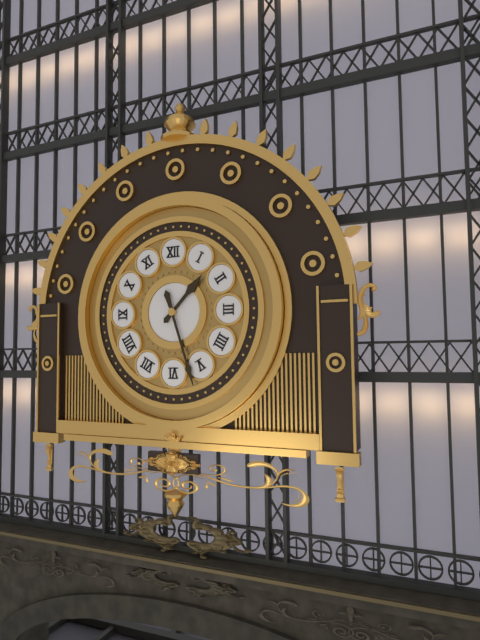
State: 1 h 27 min
